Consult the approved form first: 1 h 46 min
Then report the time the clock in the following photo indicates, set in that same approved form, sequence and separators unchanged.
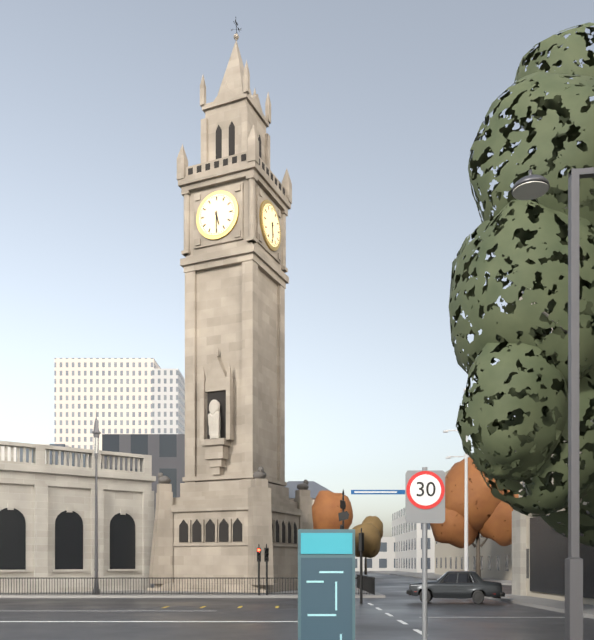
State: 5 h 30 min
